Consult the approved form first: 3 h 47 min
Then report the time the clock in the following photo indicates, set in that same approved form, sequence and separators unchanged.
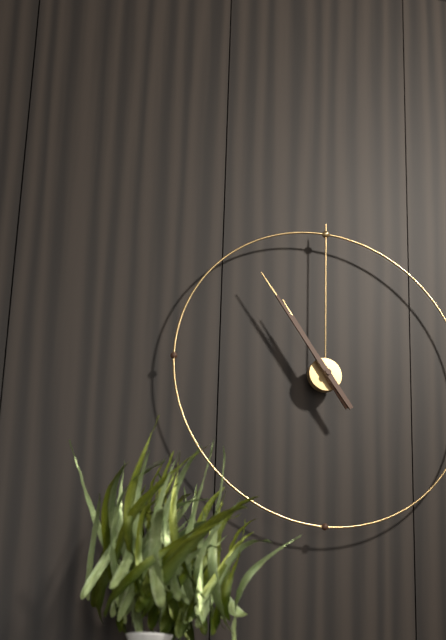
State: 10 h 54 min
